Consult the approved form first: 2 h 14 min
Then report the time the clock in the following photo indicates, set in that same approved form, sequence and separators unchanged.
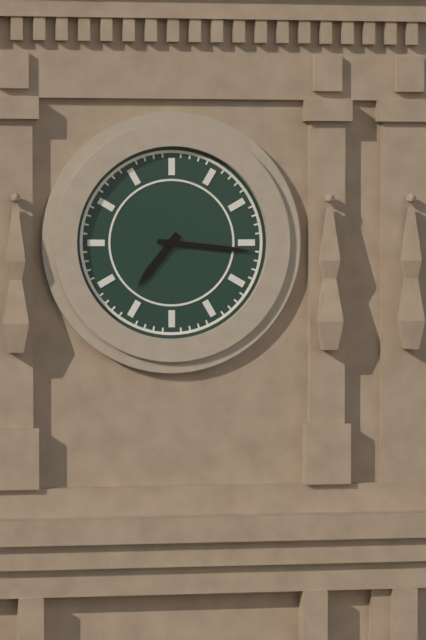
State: 7 h 16 min
